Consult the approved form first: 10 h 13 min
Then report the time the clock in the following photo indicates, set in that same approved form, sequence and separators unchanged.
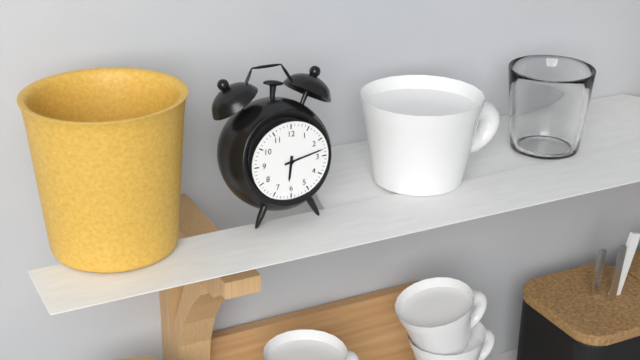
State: 6 h 13 min
